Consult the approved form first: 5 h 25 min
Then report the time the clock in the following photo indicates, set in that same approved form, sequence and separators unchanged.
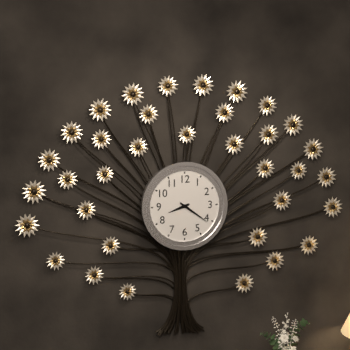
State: 8 h 21 min
